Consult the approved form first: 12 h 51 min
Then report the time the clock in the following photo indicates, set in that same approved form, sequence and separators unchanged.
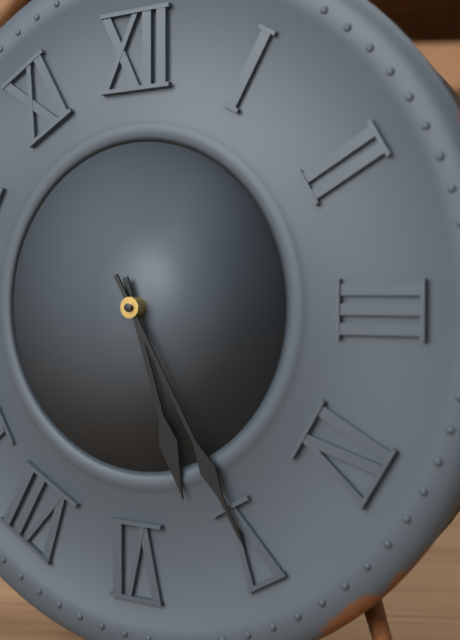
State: 5 h 25 min
